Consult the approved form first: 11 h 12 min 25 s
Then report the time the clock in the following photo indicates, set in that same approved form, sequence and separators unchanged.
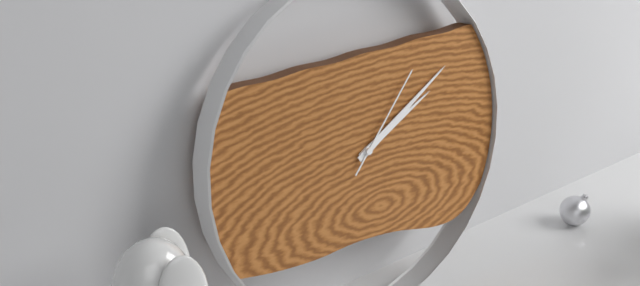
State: 2 h 10 min 07 s
